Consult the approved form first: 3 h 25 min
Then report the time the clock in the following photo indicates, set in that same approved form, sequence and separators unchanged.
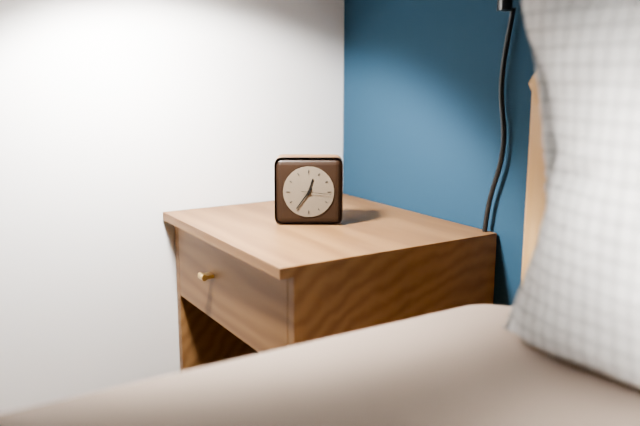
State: 12 h 36 min
